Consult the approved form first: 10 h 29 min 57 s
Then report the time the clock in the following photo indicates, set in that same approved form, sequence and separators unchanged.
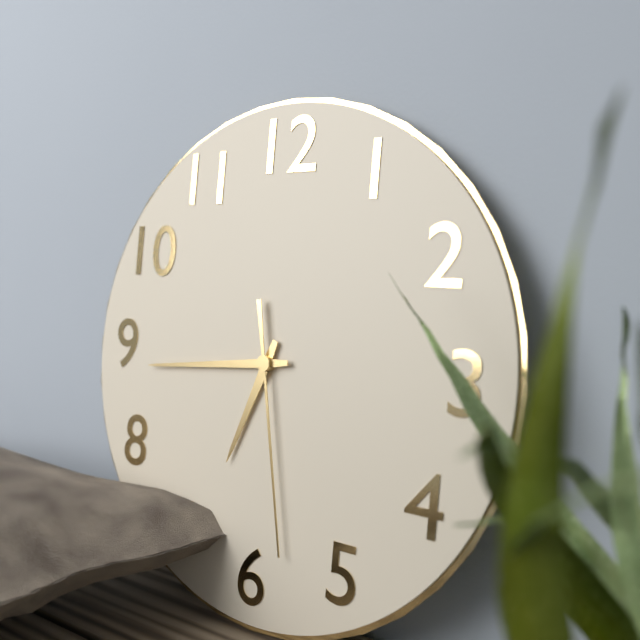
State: 6 h 44 min 28 s
